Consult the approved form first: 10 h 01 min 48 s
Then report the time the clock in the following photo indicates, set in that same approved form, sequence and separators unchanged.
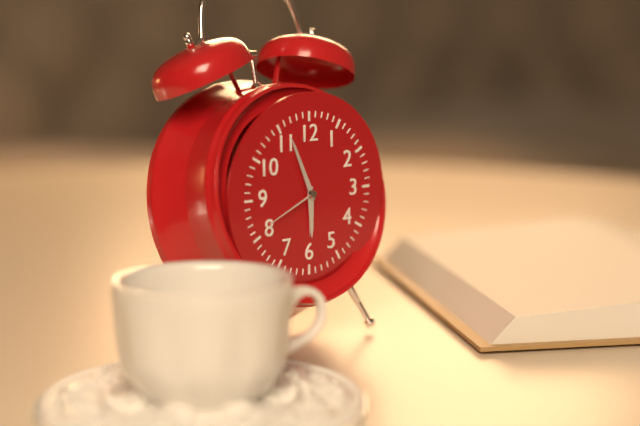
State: 5 h 56 min 41 s
